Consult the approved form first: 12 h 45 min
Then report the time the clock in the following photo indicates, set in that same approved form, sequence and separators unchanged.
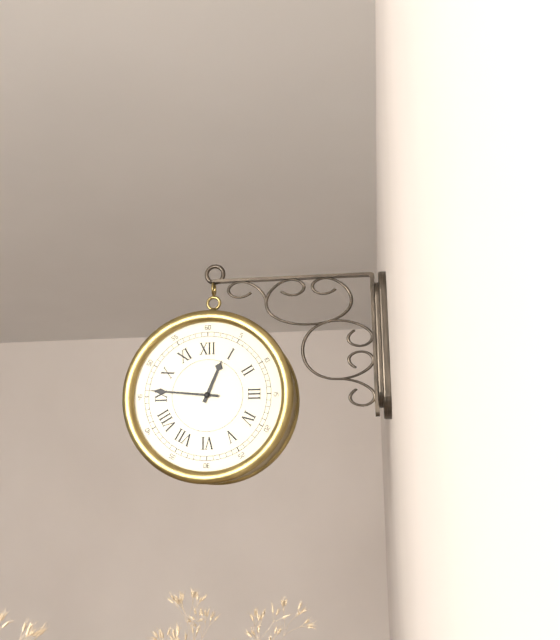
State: 12 h 46 min
